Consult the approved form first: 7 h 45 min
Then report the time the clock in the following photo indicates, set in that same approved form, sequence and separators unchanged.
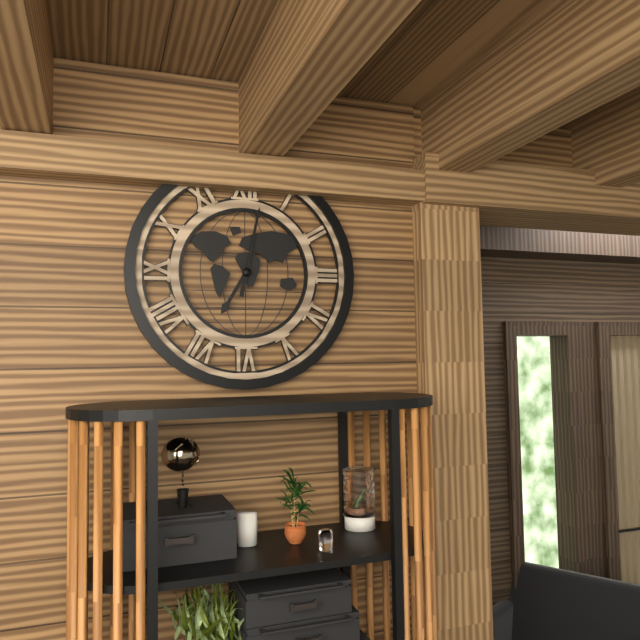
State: 7 h 02 min
